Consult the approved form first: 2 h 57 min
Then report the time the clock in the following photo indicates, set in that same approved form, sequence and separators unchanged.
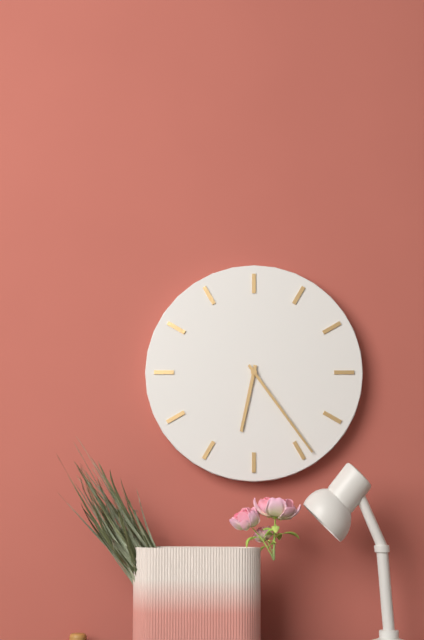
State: 6 h 24 min
